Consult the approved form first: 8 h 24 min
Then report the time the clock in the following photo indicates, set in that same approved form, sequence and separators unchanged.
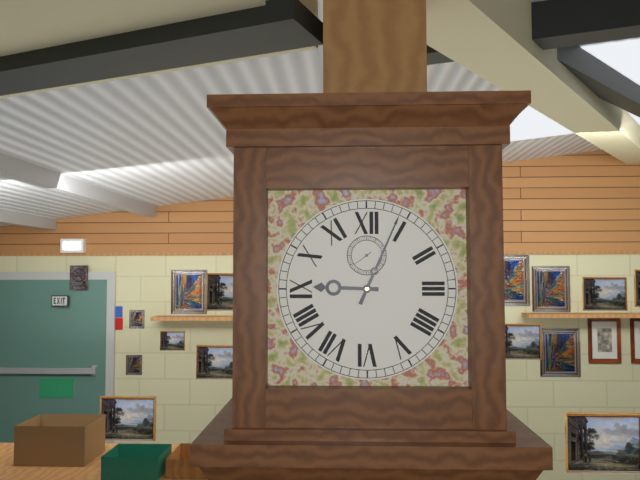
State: 9 h 04 min
